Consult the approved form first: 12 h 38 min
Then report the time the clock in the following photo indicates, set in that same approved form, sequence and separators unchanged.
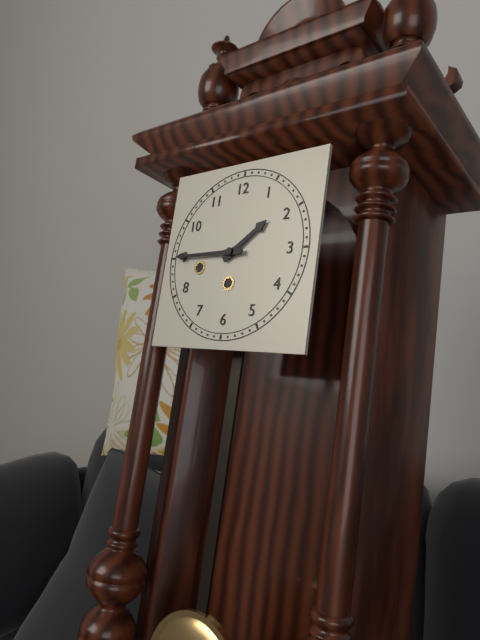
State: 1 h 45 min
